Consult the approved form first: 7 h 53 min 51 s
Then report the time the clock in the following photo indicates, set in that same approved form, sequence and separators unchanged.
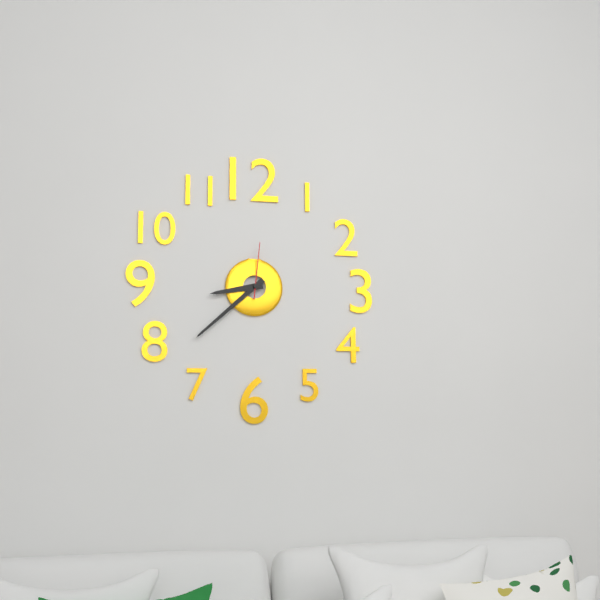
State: 8 h 38 min 01 s
